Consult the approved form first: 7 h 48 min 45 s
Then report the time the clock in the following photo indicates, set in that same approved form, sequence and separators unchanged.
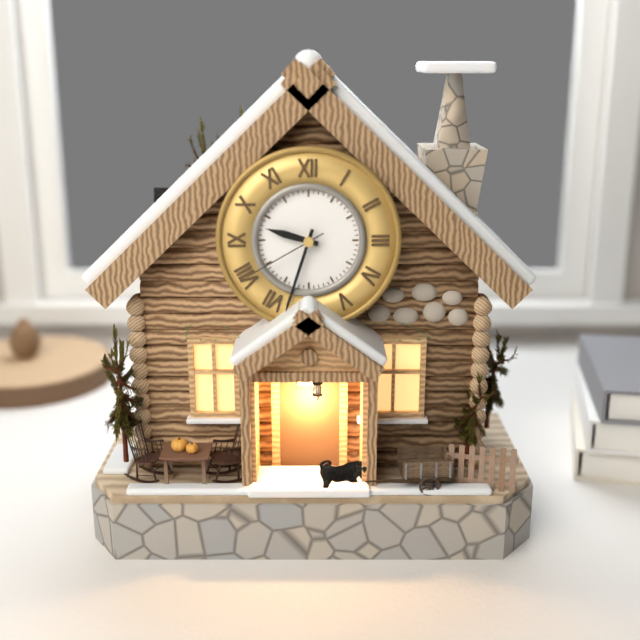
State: 9 h 33 min 40 s
